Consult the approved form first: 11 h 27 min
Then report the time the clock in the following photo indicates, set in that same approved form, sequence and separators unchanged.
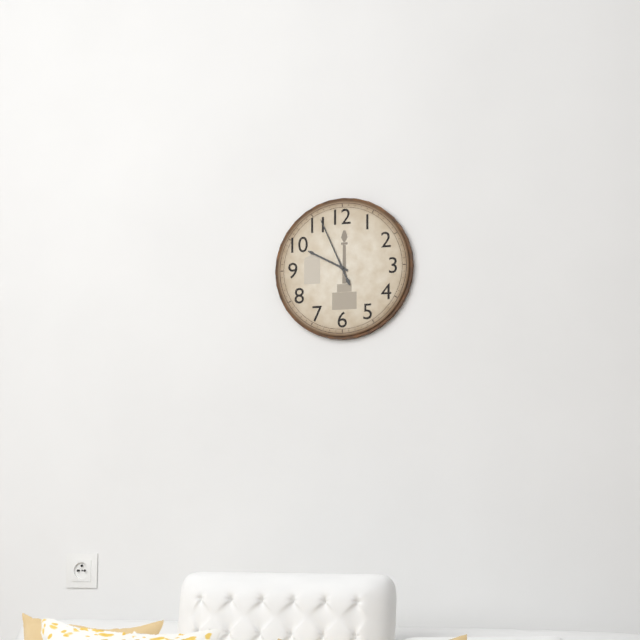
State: 9 h 56 min
